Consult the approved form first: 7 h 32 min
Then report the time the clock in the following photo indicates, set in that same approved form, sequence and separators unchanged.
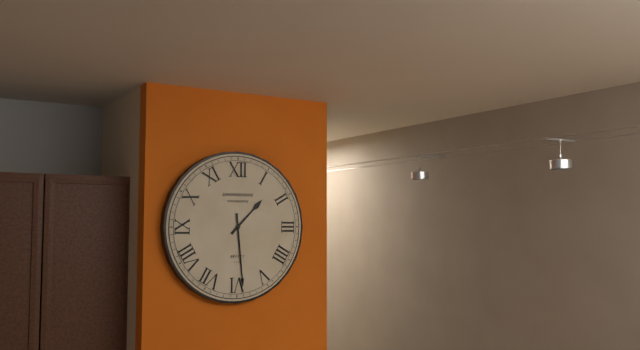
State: 1 h 29 min
